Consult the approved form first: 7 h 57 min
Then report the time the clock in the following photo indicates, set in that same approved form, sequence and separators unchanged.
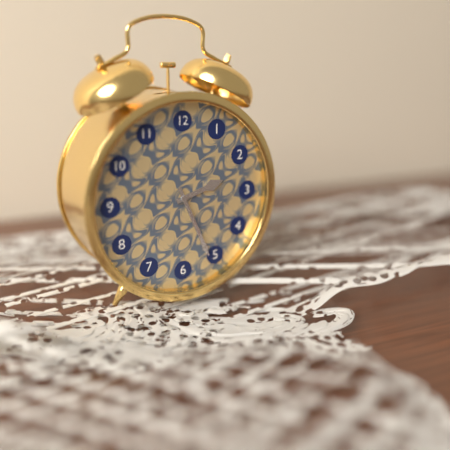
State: 2 h 26 min
